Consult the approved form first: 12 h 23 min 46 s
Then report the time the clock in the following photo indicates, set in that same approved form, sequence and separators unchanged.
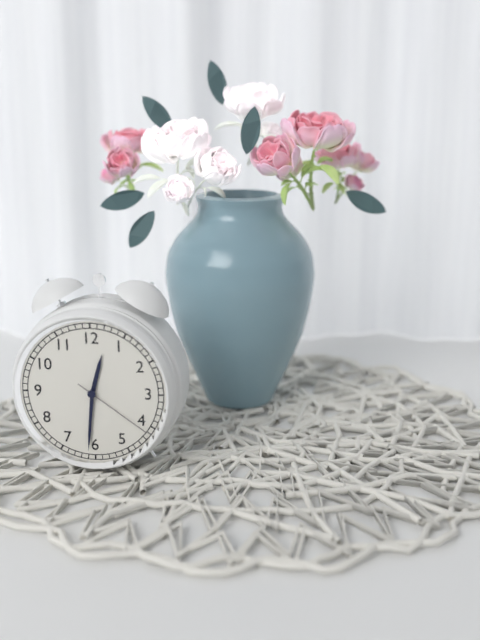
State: 12 h 31 min 21 s
